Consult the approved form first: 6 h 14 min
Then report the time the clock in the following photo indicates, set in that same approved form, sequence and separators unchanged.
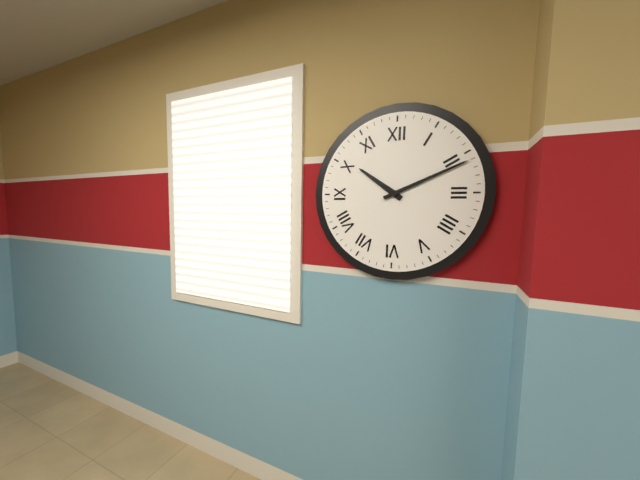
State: 10 h 11 min
